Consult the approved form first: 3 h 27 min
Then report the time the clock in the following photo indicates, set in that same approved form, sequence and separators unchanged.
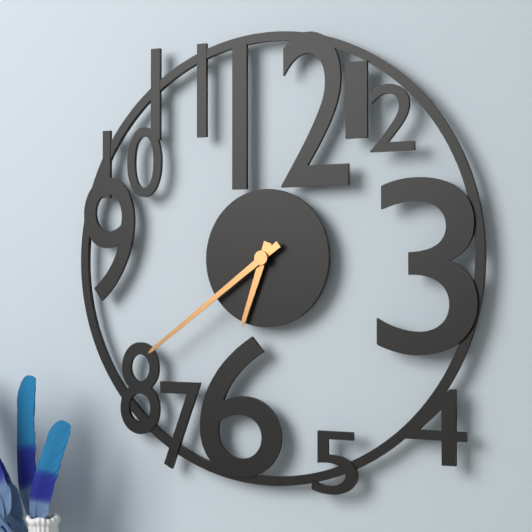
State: 6 h 39 min
